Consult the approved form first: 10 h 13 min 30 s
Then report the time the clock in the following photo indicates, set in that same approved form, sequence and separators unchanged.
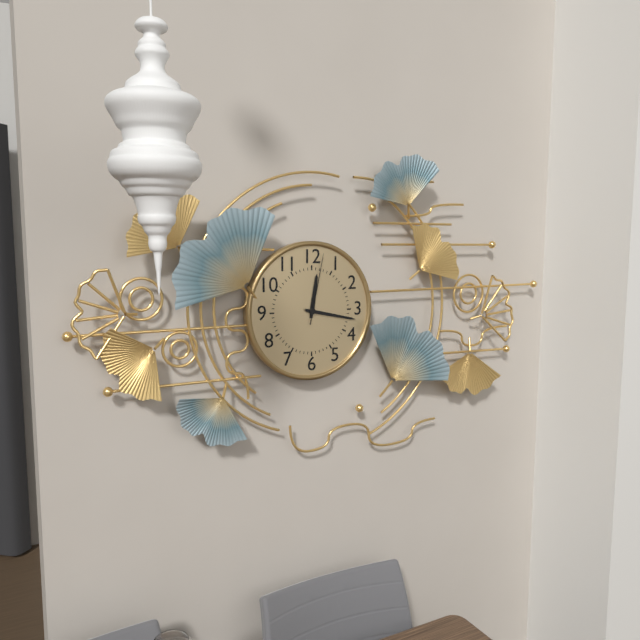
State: 12 h 17 min 02 s
